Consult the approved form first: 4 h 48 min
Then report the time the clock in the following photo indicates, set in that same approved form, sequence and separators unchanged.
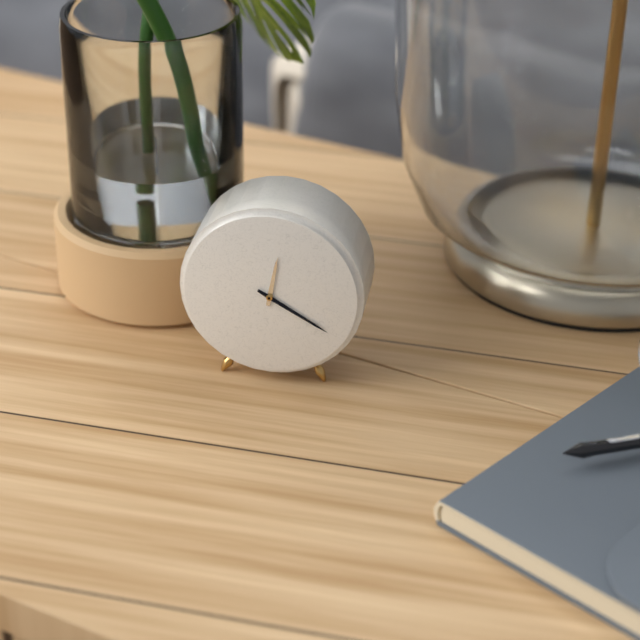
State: 12 h 20 min
